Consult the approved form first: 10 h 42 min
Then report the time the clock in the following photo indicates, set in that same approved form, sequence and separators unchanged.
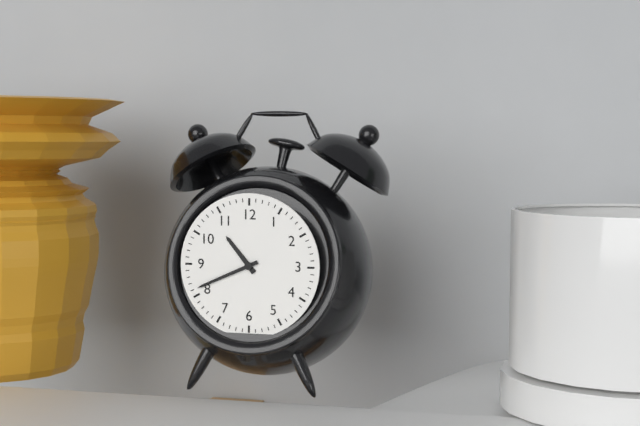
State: 10 h 41 min
